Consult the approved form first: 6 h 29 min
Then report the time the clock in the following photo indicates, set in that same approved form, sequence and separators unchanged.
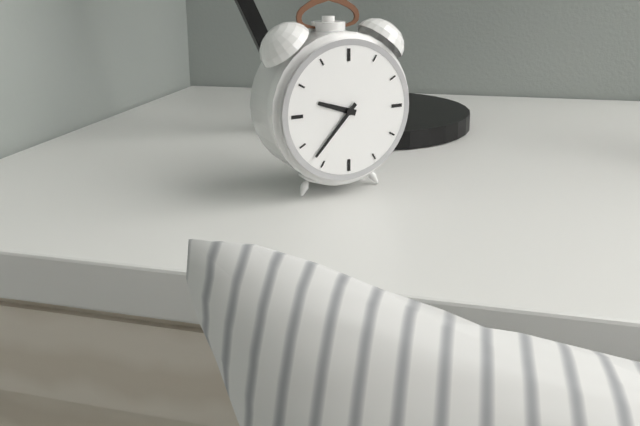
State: 9 h 37 min
